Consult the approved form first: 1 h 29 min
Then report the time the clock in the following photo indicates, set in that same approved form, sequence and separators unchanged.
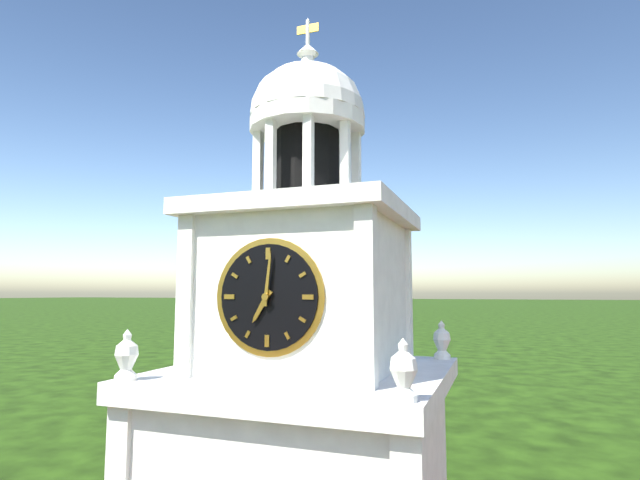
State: 7 h 01 min
